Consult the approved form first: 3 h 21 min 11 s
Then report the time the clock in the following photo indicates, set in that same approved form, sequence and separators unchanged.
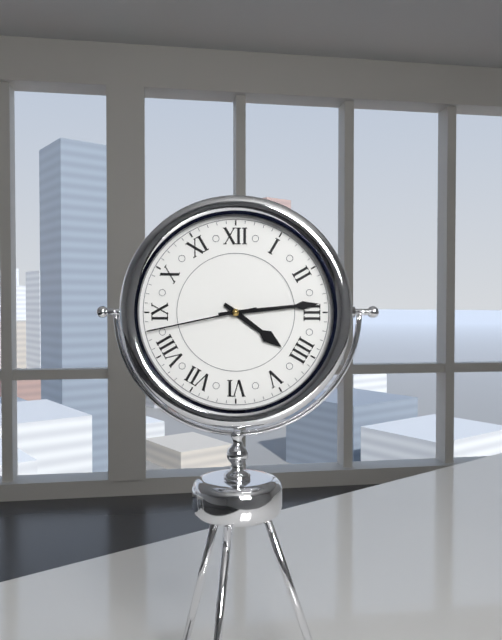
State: 4 h 14 min 43 s
